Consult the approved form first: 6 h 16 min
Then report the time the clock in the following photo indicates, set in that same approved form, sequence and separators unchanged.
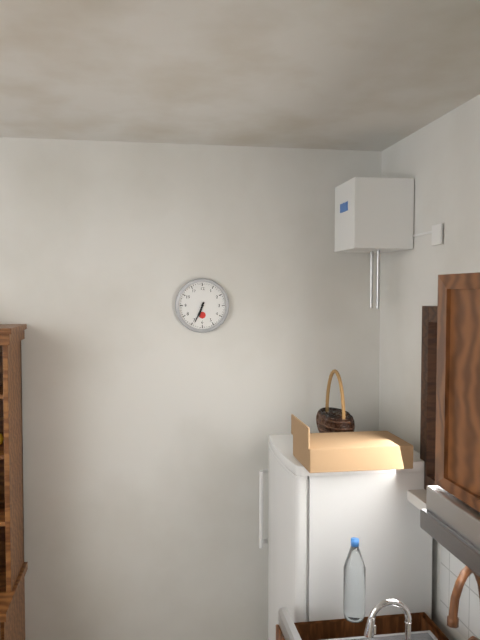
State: 6 h 34 min
